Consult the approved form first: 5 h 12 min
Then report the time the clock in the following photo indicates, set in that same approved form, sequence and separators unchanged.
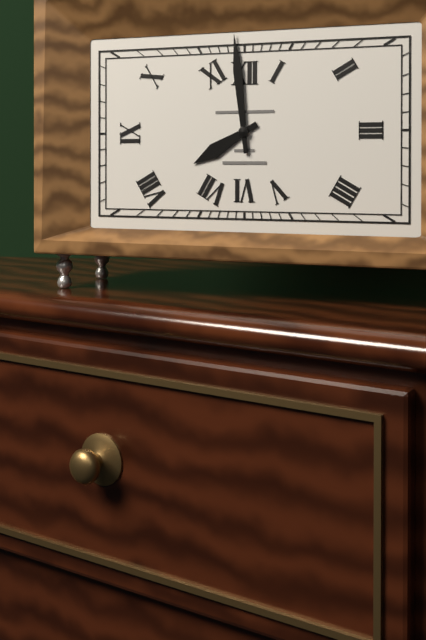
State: 7 h 59 min
